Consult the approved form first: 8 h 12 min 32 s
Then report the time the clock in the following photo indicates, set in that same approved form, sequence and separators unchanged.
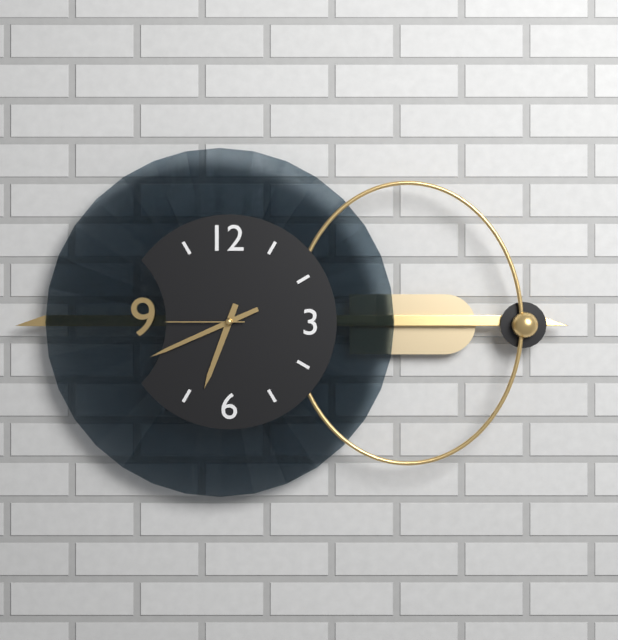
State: 6 h 41 min 45 s
